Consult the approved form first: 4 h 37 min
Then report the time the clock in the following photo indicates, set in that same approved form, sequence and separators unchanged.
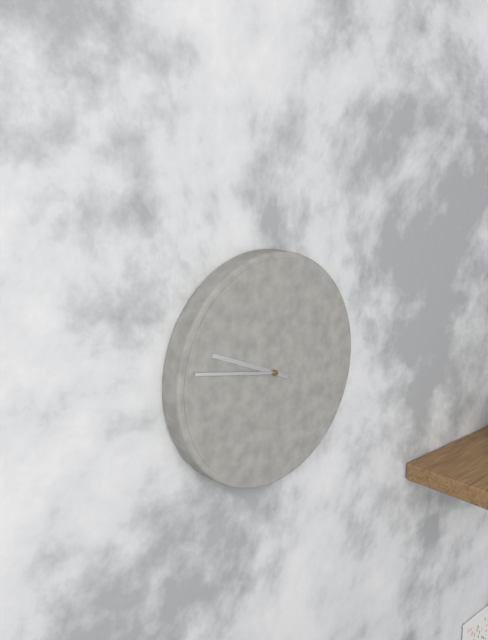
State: 9 h 47 min
